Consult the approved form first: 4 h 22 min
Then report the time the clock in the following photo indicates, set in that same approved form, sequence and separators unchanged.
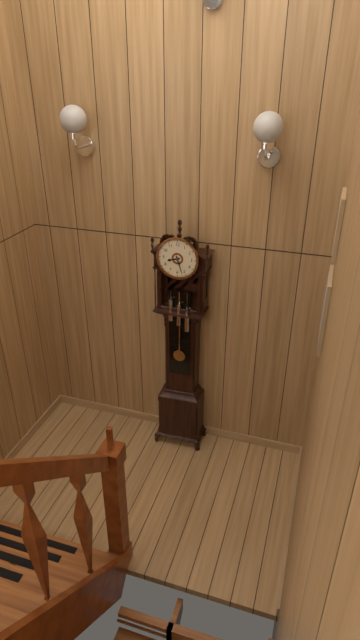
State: 8 h 27 min
